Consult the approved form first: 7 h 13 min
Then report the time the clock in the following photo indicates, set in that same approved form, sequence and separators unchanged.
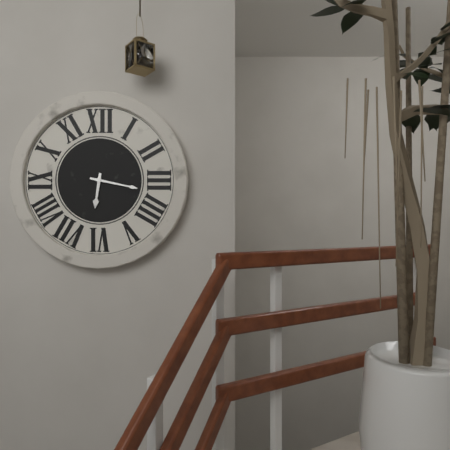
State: 6 h 17 min
